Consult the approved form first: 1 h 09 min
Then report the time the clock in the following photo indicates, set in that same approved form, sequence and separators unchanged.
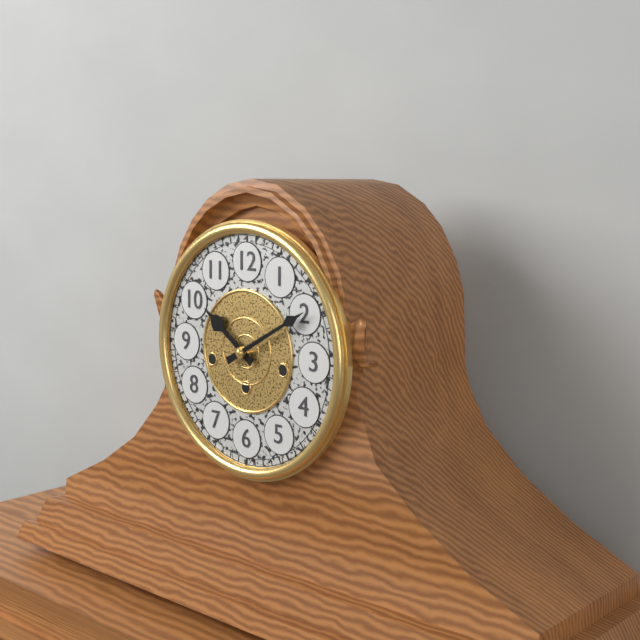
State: 10 h 10 min
